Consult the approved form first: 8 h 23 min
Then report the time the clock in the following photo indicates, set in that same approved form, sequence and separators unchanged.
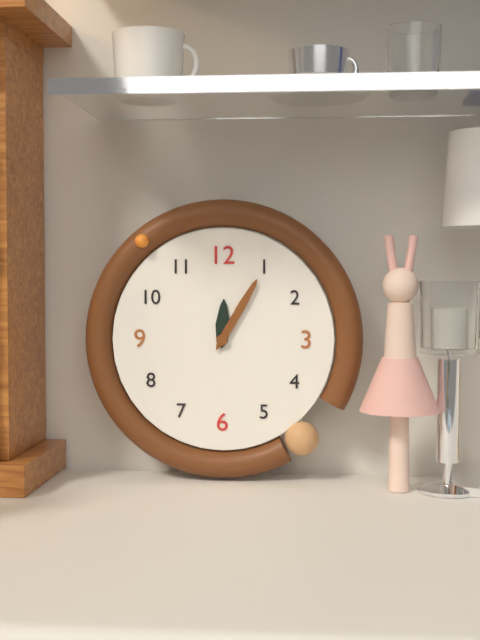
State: 12 h 05 min
